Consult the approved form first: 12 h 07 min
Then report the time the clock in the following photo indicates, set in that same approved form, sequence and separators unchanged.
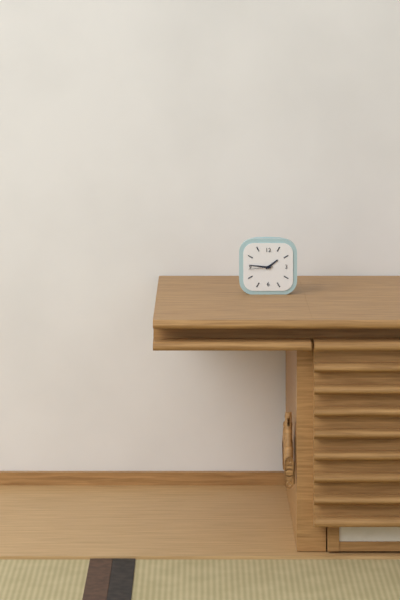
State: 1 h 46 min
